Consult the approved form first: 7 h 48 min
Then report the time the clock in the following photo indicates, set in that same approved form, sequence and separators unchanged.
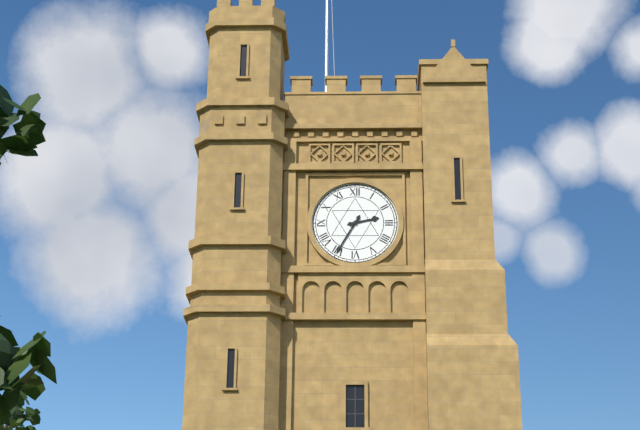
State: 2 h 35 min
